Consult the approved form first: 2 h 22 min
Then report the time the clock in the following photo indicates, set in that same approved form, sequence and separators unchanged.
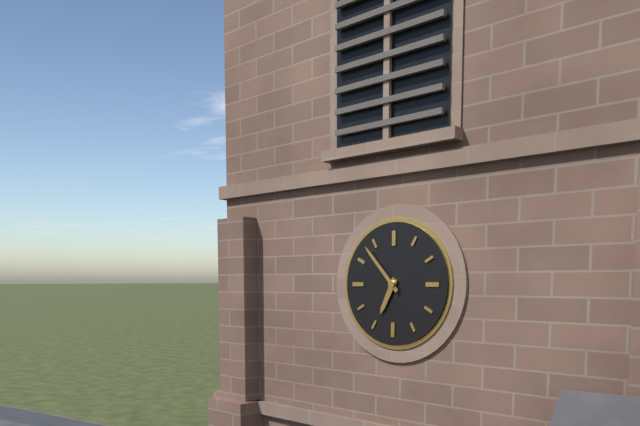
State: 6 h 53 min
